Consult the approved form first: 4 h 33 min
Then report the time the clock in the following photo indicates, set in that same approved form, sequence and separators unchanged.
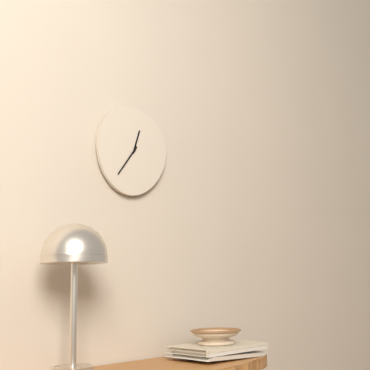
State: 12 h 36 min
